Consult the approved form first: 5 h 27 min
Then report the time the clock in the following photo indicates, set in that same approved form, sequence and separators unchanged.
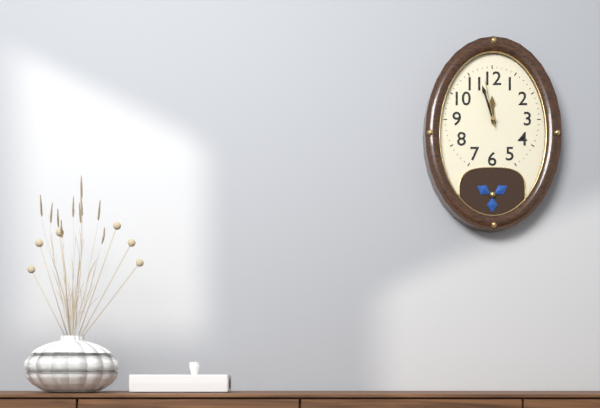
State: 11 h 57 min
